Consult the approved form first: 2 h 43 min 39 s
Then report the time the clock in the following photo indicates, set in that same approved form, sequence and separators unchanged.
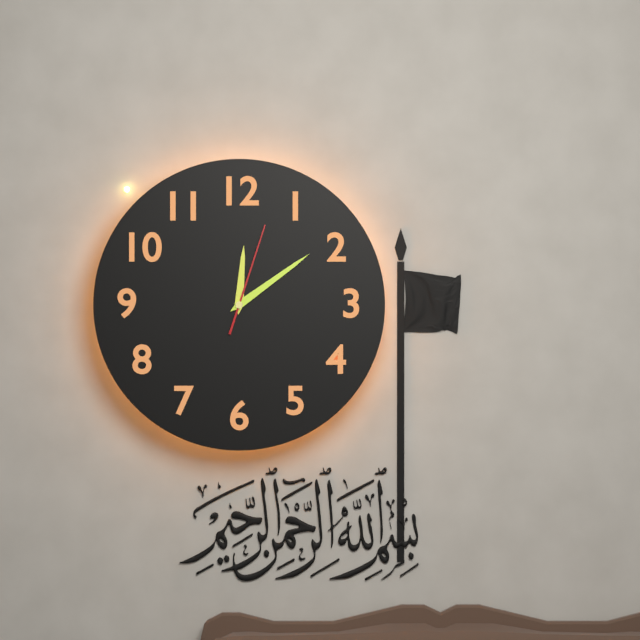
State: 12 h 09 min 03 s
